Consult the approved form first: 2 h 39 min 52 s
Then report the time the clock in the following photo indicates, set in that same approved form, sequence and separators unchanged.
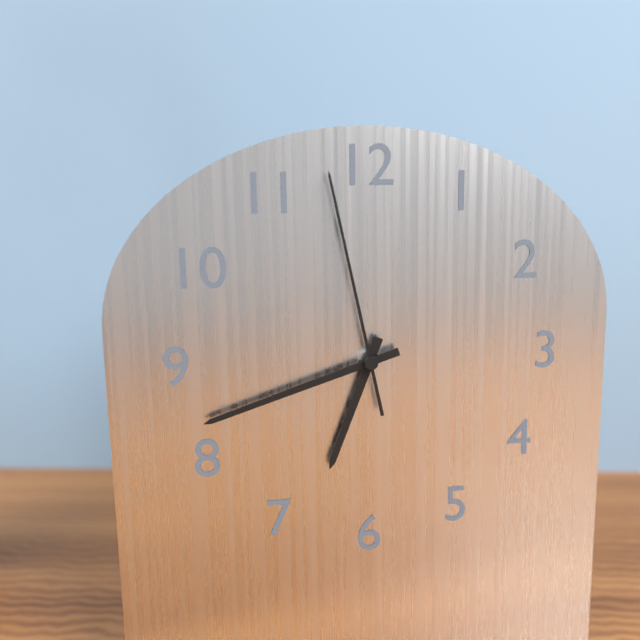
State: 6 h 42 min 58 s
